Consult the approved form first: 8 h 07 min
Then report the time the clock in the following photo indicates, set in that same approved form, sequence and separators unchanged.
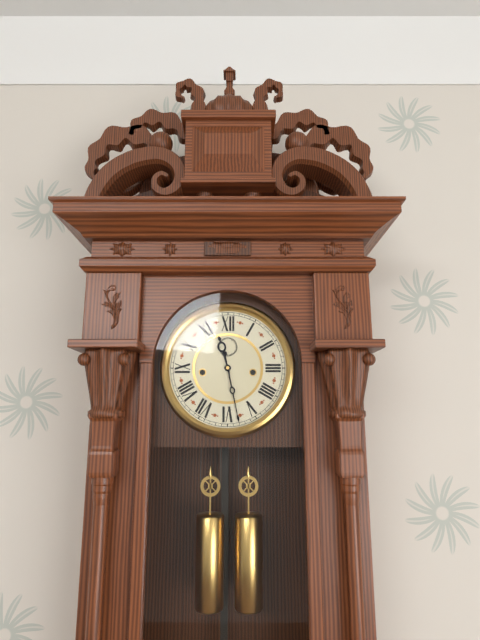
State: 11 h 28 min
